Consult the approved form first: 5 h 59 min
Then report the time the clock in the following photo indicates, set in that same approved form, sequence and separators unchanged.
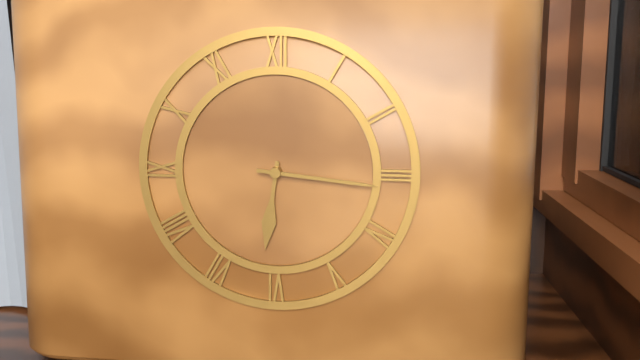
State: 6 h 16 min
